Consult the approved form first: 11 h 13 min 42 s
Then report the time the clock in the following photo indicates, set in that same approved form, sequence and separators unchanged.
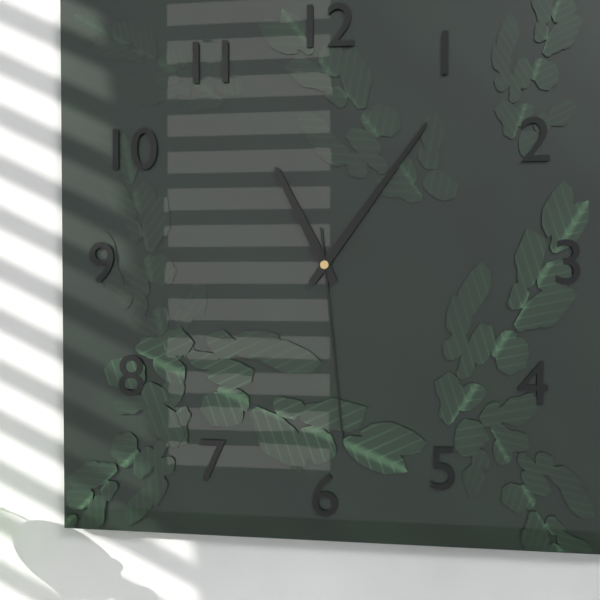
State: 11 h 06 min 29 s
